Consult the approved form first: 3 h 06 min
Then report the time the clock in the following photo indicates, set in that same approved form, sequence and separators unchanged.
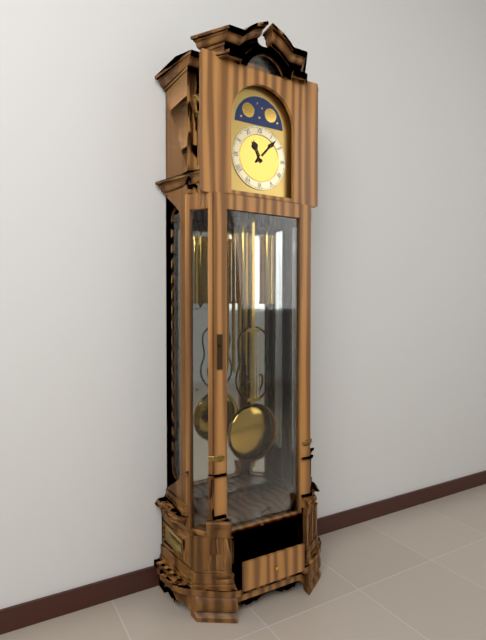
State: 11 h 07 min
